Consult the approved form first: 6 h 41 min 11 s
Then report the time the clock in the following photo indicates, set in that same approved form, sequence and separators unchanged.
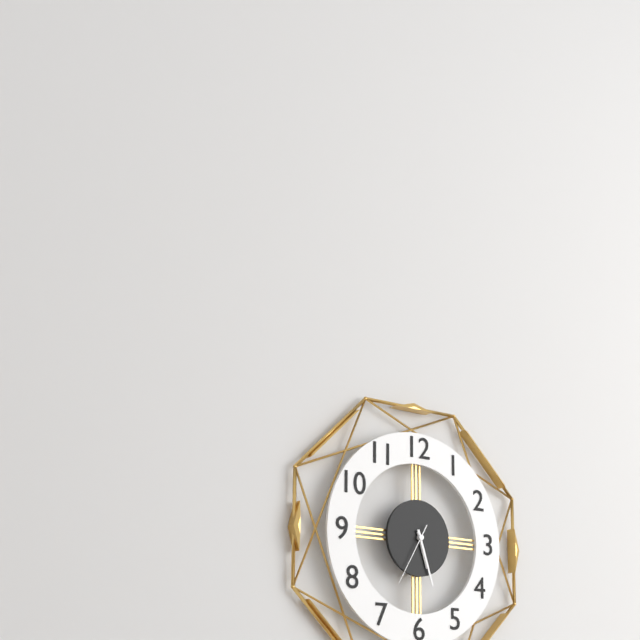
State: 5 h 27 min 35 s
